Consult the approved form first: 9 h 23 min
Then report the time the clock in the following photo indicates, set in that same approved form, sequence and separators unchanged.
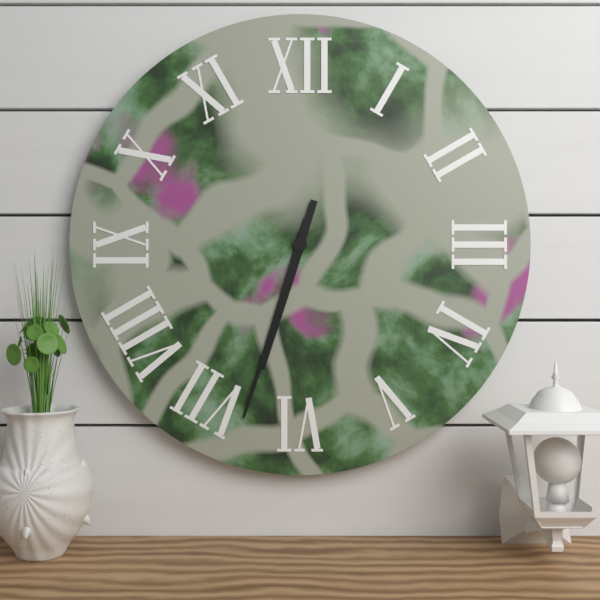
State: 6 h 33 min
